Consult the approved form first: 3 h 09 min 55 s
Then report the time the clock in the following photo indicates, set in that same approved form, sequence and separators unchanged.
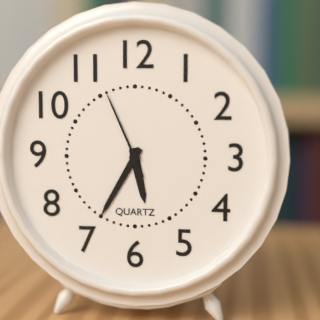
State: 5 h 35 min 56 s
